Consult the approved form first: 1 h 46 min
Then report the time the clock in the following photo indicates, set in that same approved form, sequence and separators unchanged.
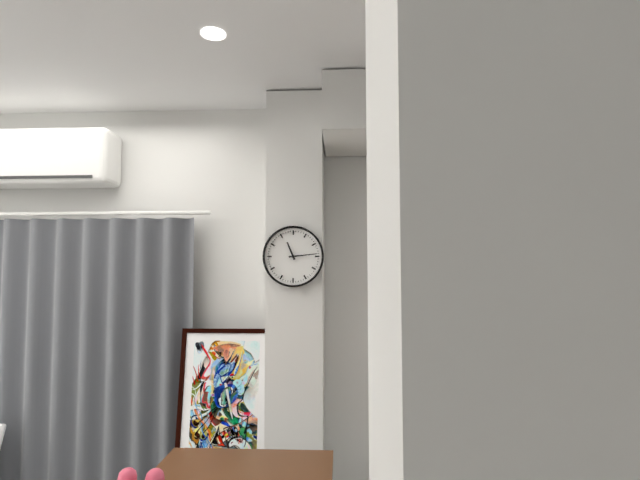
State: 11 h 14 min
